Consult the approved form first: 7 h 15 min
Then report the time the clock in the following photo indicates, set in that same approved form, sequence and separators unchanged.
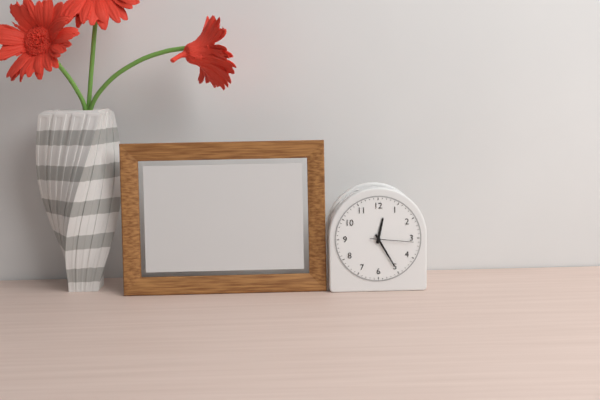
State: 12 h 25 min
